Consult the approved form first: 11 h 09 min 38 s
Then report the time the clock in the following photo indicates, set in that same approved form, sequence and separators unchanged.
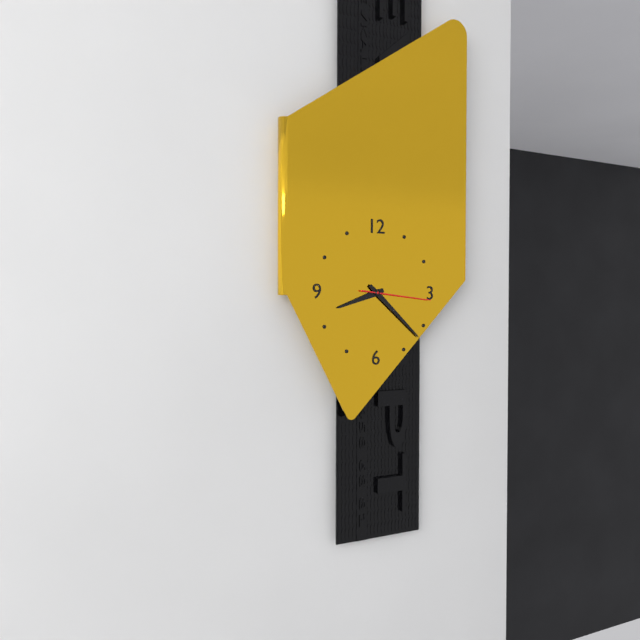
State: 8 h 22 min 16 s
